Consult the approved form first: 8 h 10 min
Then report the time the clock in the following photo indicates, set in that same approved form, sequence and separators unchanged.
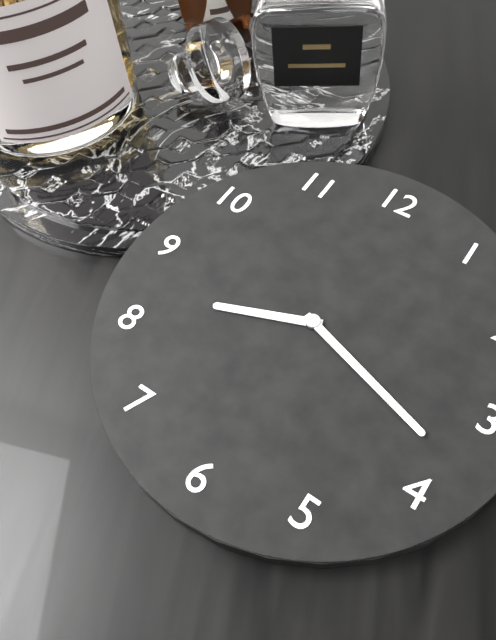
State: 8 h 18 min
